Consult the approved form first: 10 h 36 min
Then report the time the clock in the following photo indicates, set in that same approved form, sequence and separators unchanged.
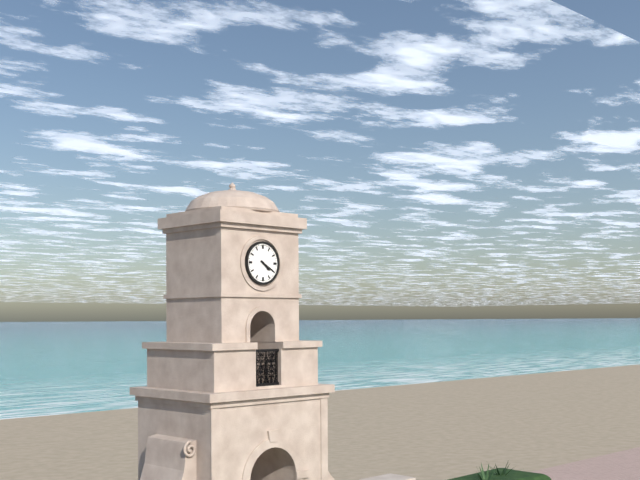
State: 4 h 20 min
